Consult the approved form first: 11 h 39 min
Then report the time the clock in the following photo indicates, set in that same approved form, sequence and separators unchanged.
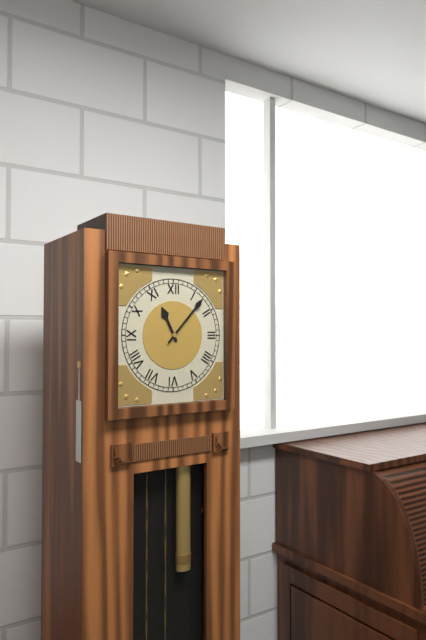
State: 11 h 07 min
